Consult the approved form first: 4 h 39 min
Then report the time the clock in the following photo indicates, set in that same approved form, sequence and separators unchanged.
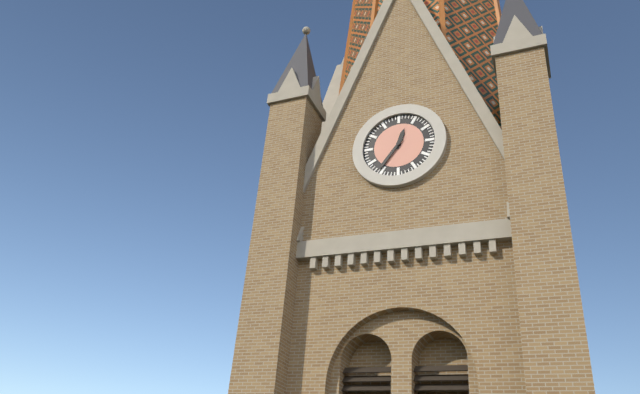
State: 12 h 36 min
